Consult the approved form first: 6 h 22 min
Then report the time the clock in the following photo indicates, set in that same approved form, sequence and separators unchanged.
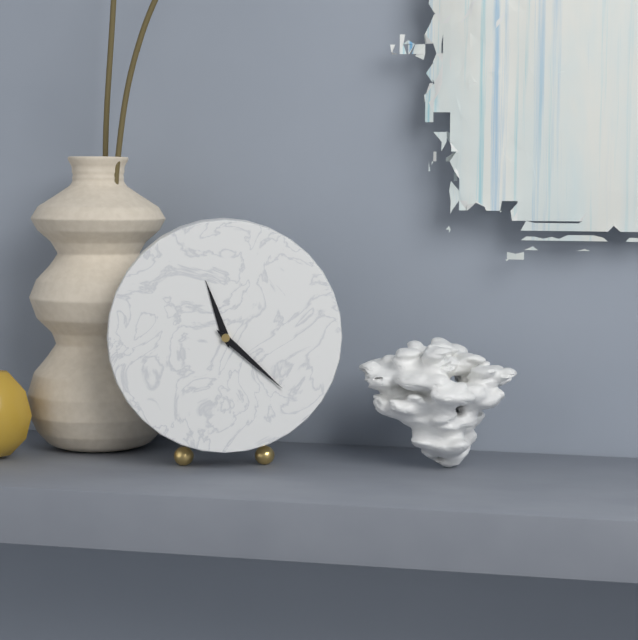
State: 11 h 22 min
